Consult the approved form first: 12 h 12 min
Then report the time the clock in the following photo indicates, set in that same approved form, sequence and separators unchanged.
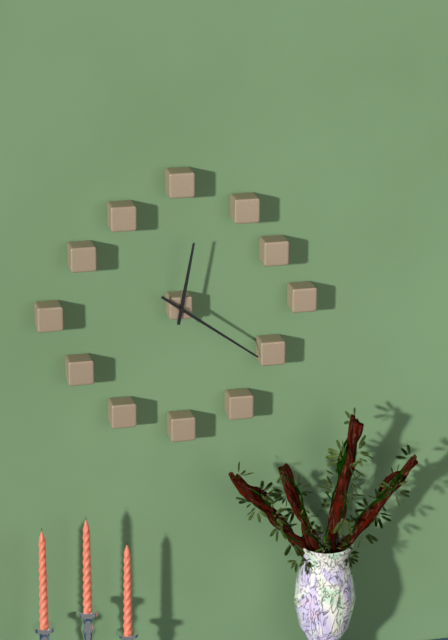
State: 12 h 21 min
